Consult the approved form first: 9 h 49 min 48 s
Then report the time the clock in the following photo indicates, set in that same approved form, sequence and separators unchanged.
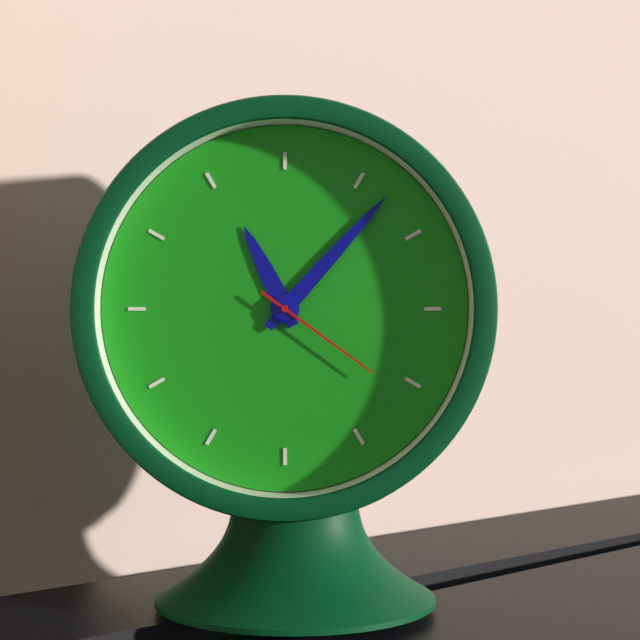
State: 11 h 07 min 21 s
